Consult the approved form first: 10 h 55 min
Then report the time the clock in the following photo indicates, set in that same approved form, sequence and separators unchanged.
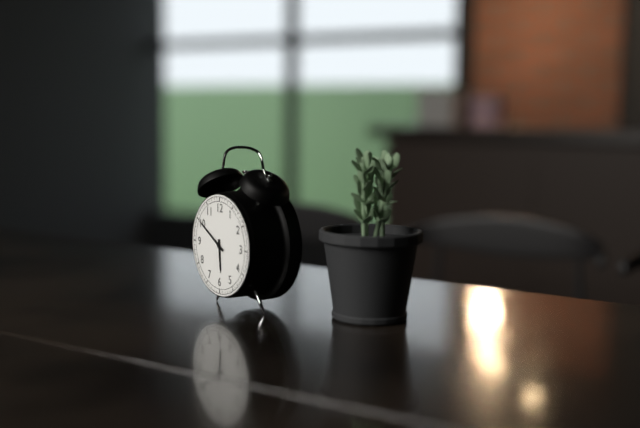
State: 5 h 50 min
